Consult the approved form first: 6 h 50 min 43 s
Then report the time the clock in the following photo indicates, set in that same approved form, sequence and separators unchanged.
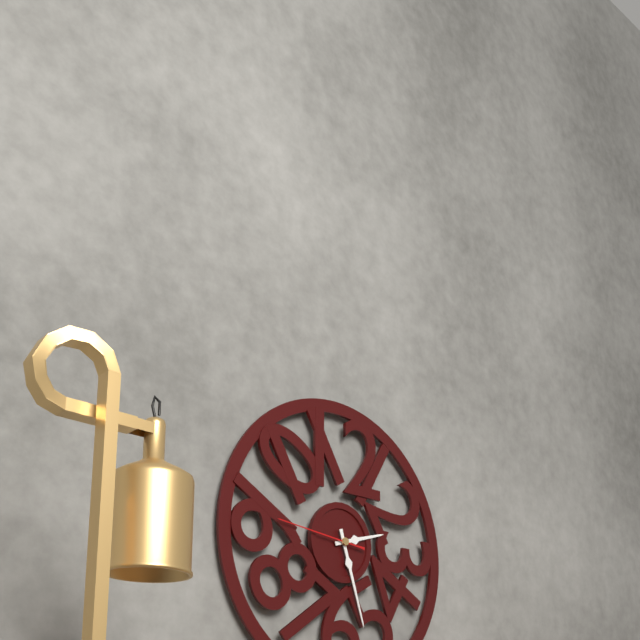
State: 2 h 27 min 46 s
